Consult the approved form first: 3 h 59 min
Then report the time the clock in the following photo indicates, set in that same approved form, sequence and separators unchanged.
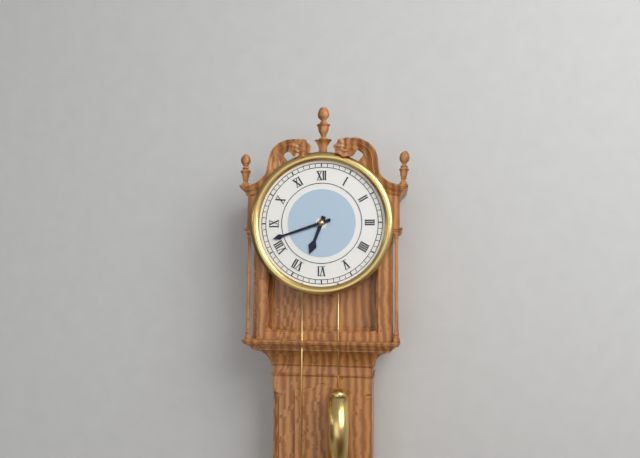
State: 6 h 42 min
